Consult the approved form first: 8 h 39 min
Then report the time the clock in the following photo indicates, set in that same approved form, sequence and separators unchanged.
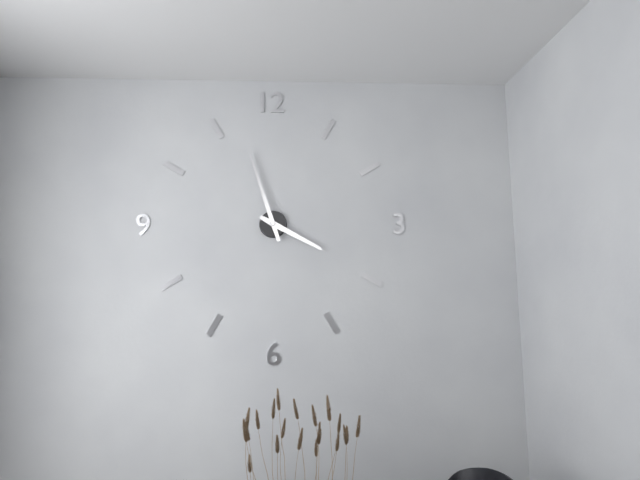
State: 3 h 57 min
